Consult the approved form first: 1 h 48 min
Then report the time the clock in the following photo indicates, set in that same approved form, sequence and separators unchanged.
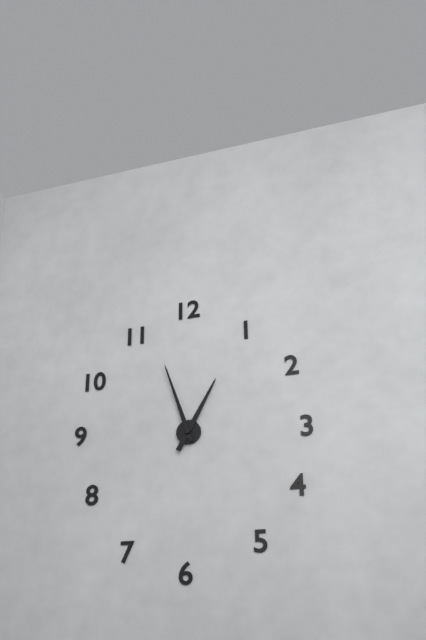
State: 12 h 57 min
